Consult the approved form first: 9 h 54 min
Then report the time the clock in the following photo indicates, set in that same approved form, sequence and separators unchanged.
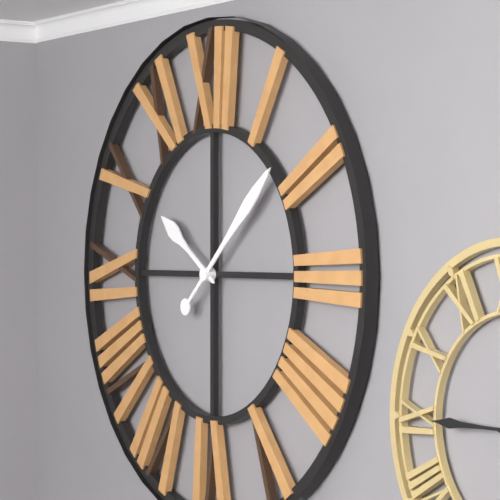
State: 10 h 08 min
